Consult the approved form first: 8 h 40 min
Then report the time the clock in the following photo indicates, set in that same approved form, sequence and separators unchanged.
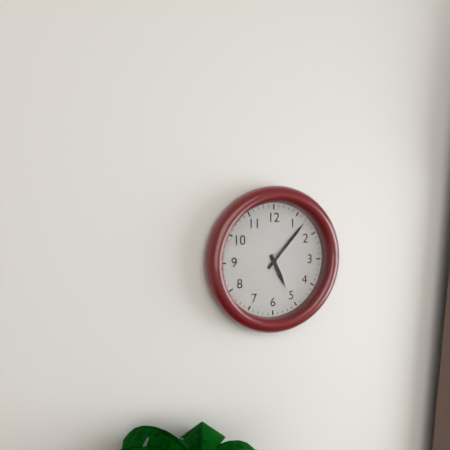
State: 5 h 07 min
